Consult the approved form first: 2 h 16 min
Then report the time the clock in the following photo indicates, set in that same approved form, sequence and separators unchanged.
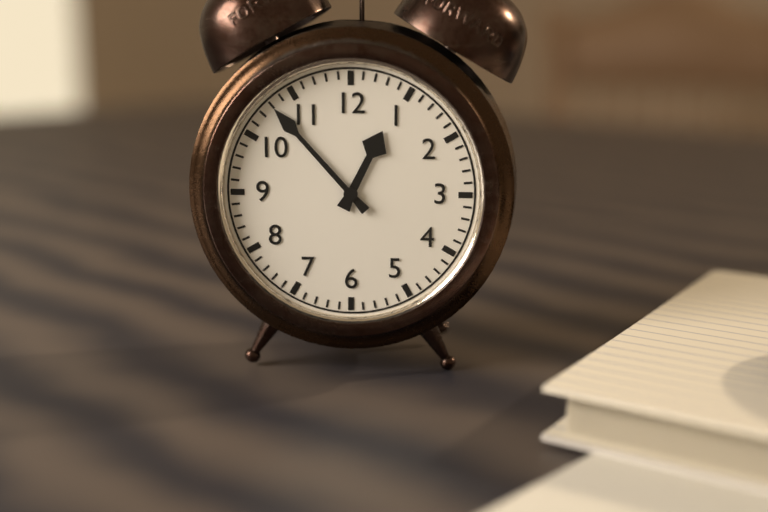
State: 12 h 53 min
